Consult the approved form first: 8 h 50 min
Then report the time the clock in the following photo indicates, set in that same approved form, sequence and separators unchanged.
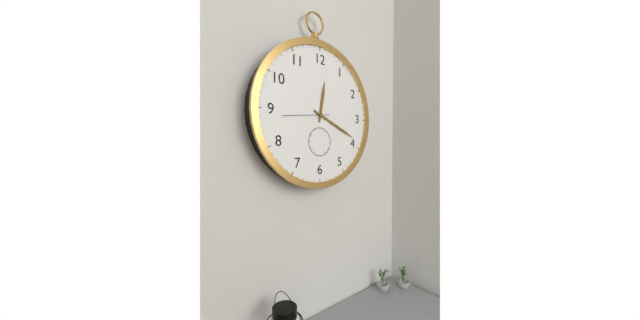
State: 12 h 19 min
